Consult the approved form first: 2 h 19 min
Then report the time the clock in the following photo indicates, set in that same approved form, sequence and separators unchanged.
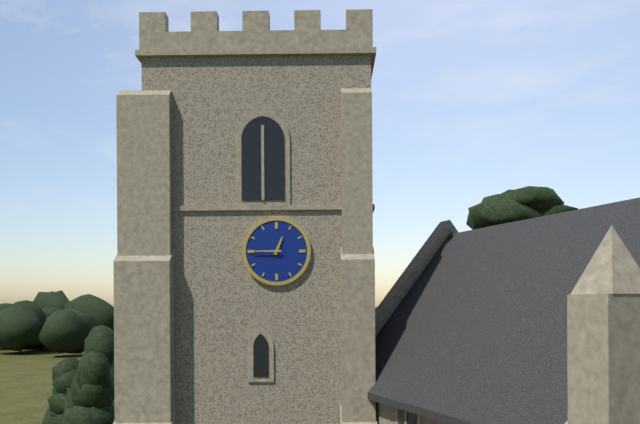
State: 12 h 45 min
